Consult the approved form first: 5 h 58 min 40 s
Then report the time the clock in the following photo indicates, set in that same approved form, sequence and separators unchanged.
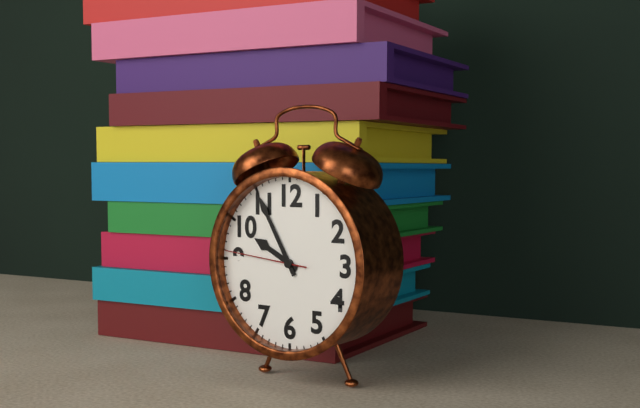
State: 9 h 55 min 46 s
